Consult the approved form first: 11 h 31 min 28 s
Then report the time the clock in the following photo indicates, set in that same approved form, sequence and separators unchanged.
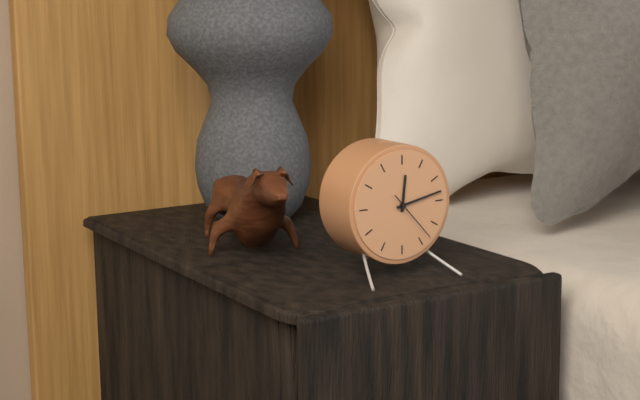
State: 12 h 13 min 23 s
